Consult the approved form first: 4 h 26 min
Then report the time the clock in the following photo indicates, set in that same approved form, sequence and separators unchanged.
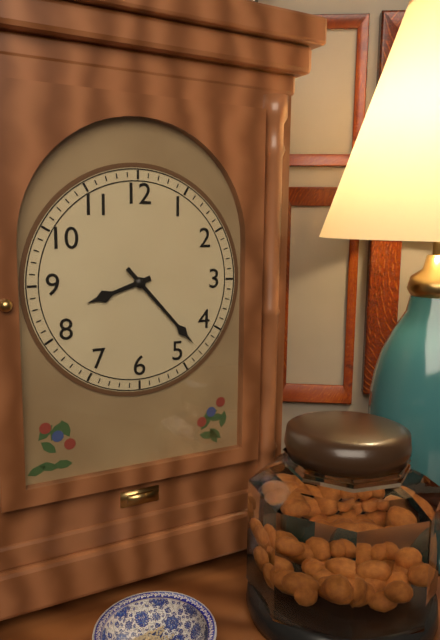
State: 8 h 23 min
